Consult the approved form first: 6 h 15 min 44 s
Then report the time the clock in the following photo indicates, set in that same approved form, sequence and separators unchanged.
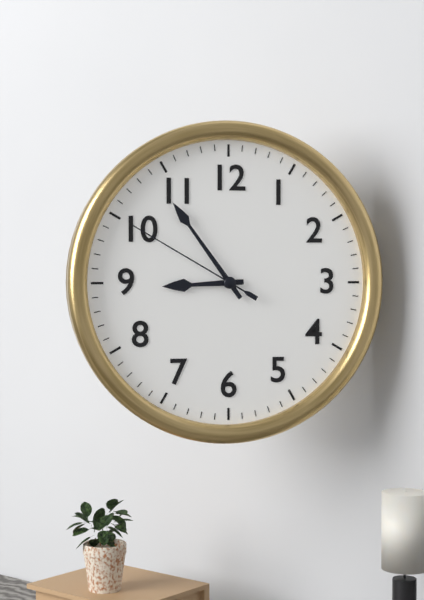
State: 8 h 54 min 50 s
